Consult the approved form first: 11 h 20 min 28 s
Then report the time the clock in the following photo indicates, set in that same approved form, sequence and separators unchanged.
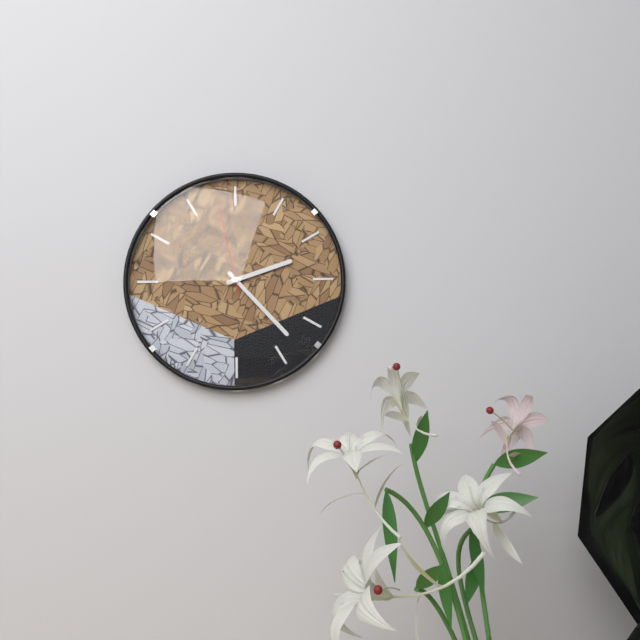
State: 2 h 23 min 58 s
